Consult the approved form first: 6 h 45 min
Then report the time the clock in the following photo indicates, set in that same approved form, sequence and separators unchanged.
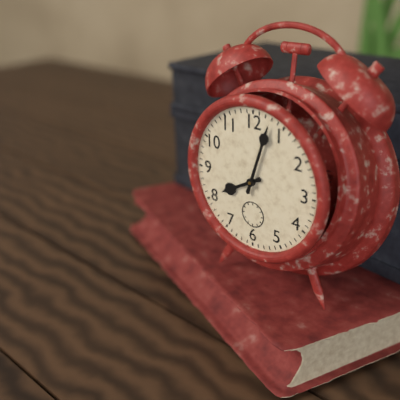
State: 8 h 03 min
